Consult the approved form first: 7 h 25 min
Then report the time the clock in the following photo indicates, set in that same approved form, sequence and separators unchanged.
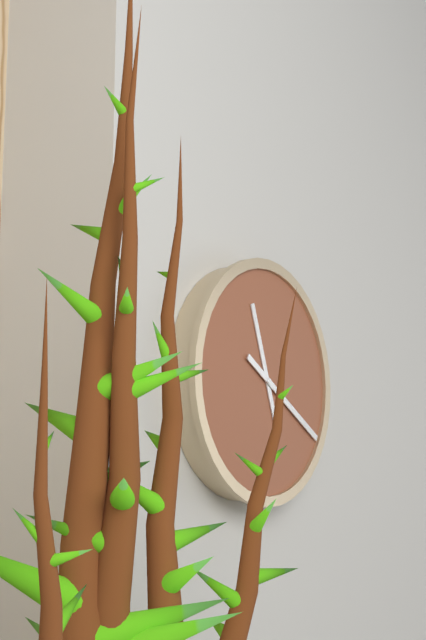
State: 11 h 20 min
